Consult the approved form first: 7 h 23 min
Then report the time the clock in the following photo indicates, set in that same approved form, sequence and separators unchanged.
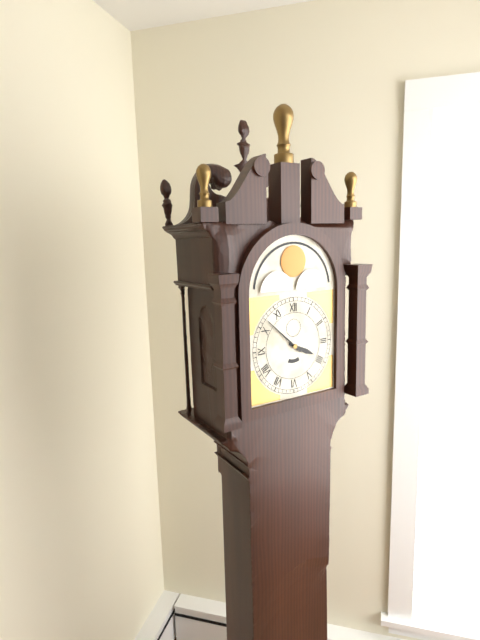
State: 3 h 52 min
